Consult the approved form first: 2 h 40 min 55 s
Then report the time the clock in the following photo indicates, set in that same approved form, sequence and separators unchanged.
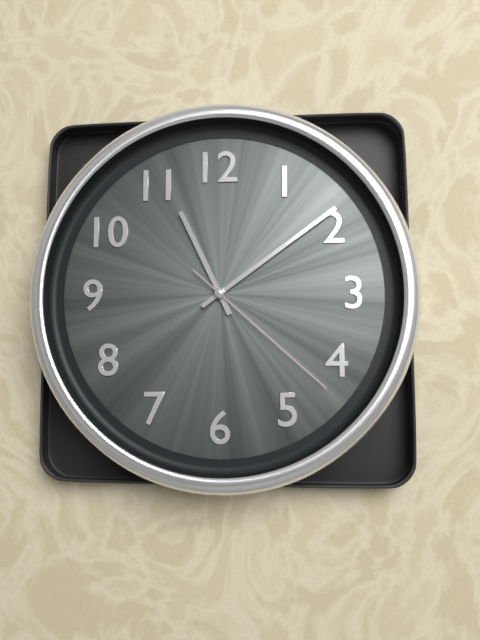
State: 11 h 09 min 22 s
